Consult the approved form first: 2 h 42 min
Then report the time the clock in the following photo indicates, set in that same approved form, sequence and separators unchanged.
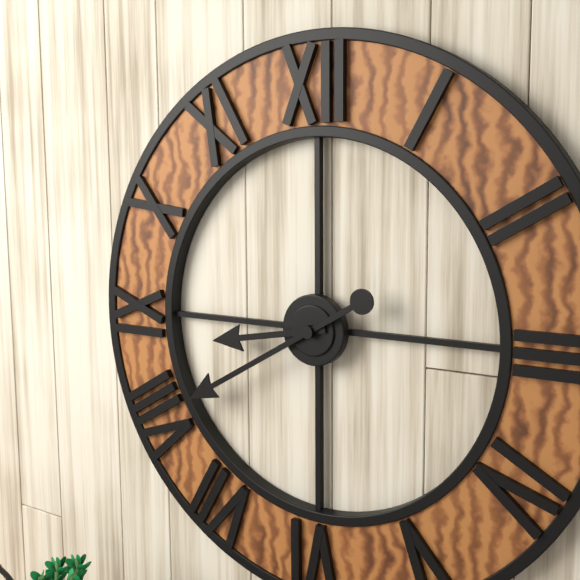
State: 8 h 40 min
